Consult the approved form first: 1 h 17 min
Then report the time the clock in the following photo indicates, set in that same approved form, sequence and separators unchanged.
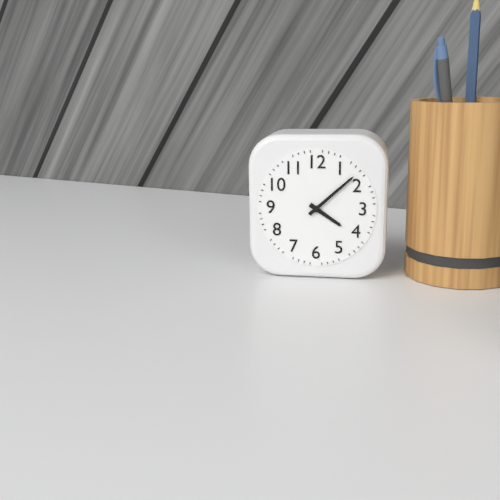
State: 4 h 08 min
